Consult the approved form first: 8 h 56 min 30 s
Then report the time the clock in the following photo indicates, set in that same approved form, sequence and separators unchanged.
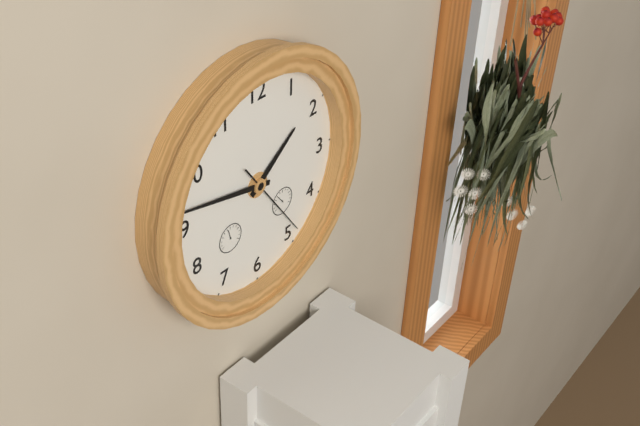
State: 1 h 47 min 24 s
